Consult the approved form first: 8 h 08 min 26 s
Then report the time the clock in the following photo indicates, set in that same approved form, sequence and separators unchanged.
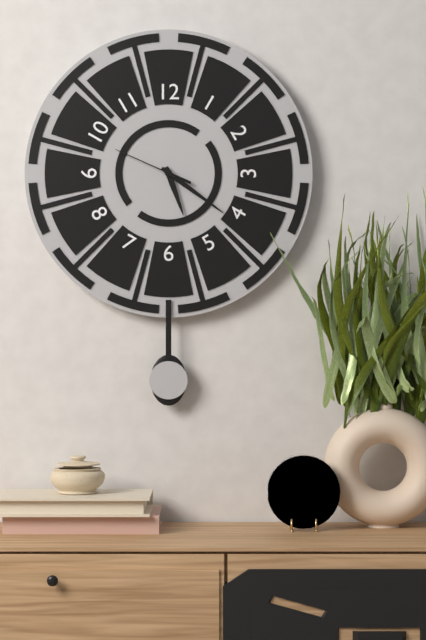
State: 5 h 21 min 49 s
